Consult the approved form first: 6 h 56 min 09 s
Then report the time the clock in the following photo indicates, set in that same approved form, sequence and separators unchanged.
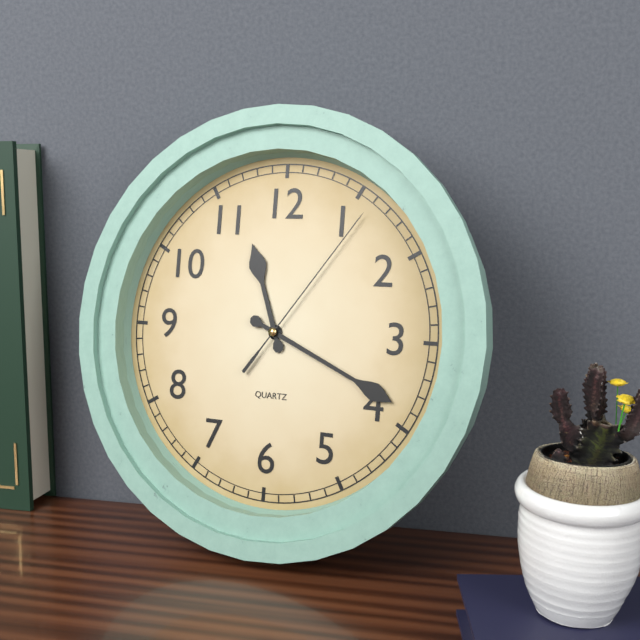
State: 11 h 19 min 06 s
